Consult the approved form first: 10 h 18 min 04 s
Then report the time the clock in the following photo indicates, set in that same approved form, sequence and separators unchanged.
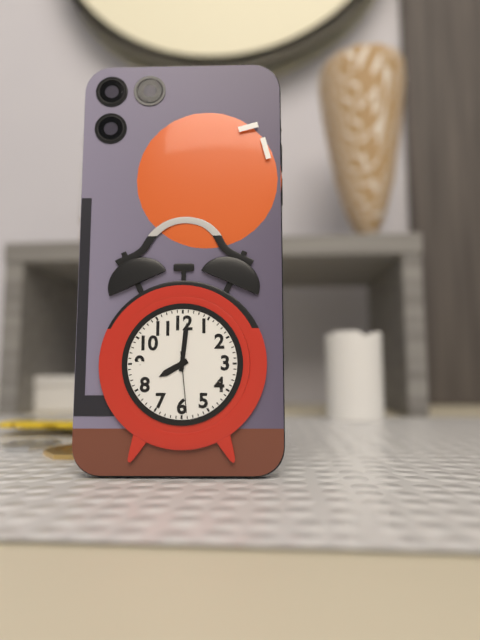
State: 8 h 01 min 29 s
